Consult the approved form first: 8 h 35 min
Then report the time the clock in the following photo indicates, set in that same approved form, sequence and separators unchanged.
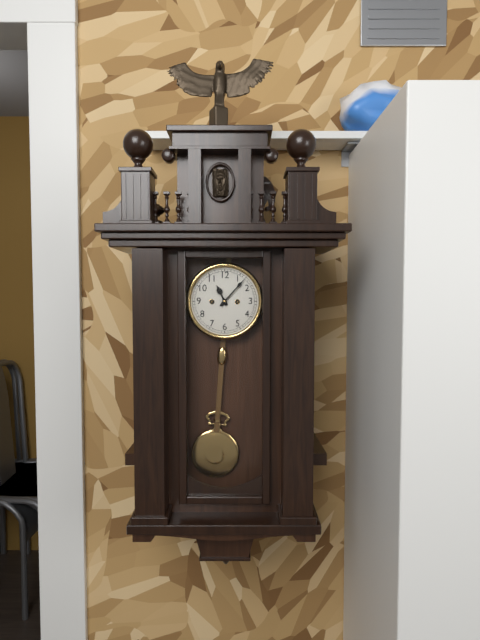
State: 11 h 07 min
